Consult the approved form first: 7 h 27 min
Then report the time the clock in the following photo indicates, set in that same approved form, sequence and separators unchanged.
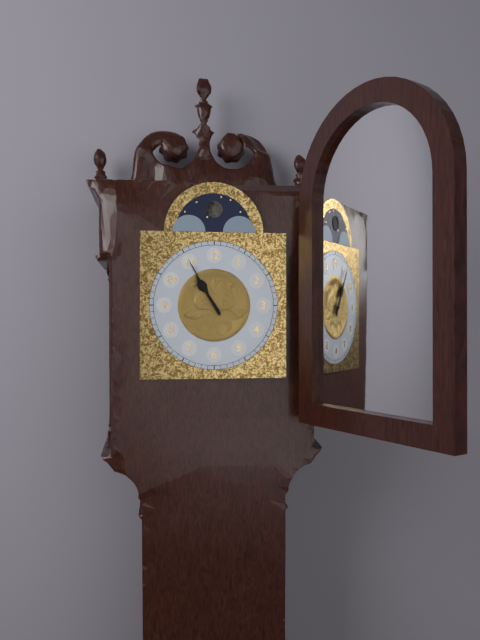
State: 10 h 55 min
